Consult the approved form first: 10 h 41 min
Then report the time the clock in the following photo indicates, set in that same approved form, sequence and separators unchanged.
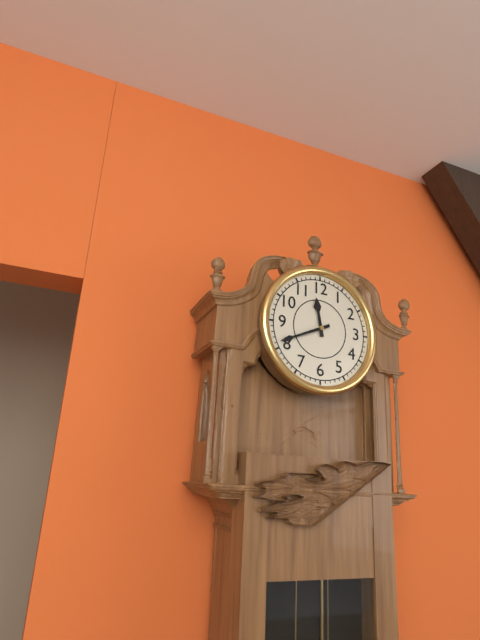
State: 11 h 41 min
